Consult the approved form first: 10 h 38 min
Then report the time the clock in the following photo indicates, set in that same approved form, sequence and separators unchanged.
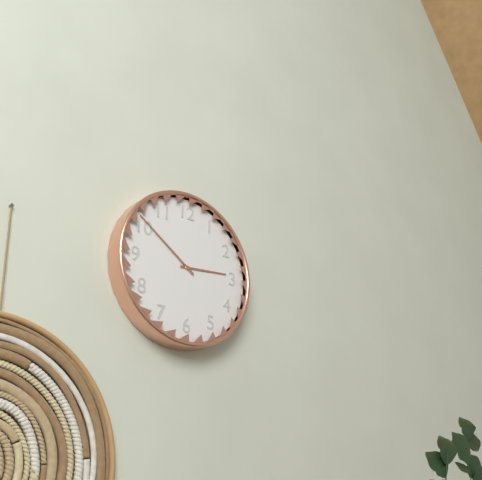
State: 2 h 51 min
